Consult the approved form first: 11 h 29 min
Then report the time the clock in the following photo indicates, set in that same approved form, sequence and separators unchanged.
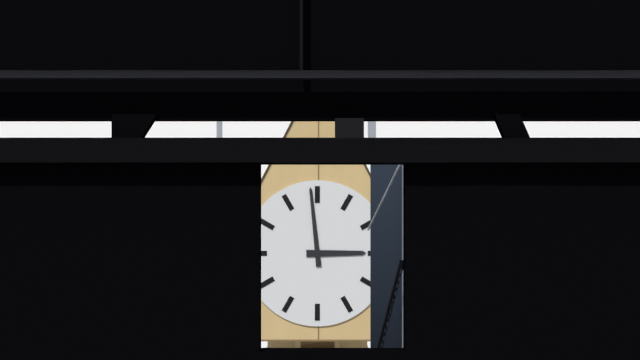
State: 2 h 59 min
